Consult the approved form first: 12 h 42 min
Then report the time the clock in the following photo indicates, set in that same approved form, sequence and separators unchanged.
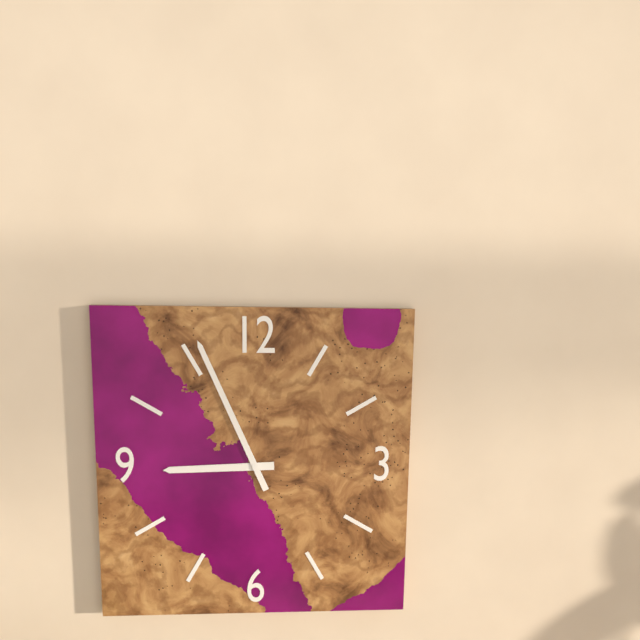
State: 8 h 56 min
